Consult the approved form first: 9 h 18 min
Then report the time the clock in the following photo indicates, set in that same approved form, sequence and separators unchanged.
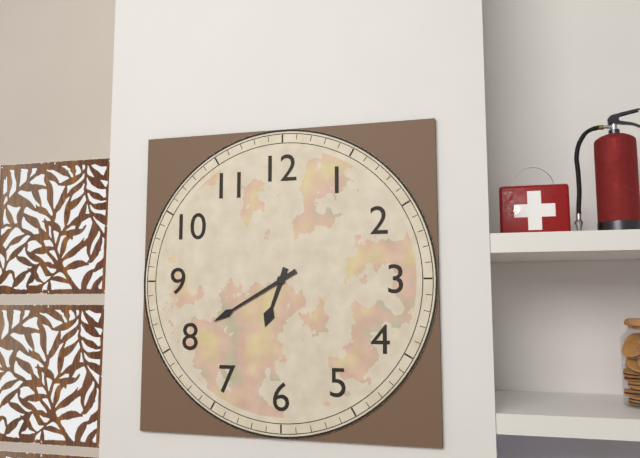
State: 6 h 40 min
